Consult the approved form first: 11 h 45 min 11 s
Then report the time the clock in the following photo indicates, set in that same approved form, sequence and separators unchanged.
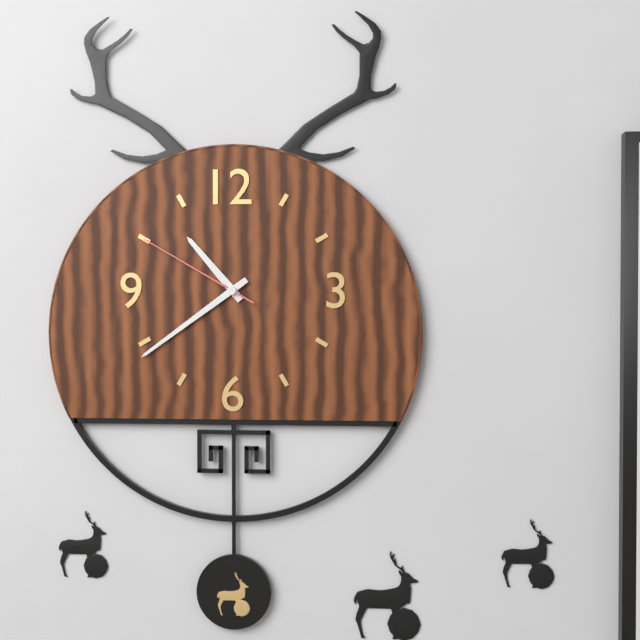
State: 10 h 39 min 50 s
